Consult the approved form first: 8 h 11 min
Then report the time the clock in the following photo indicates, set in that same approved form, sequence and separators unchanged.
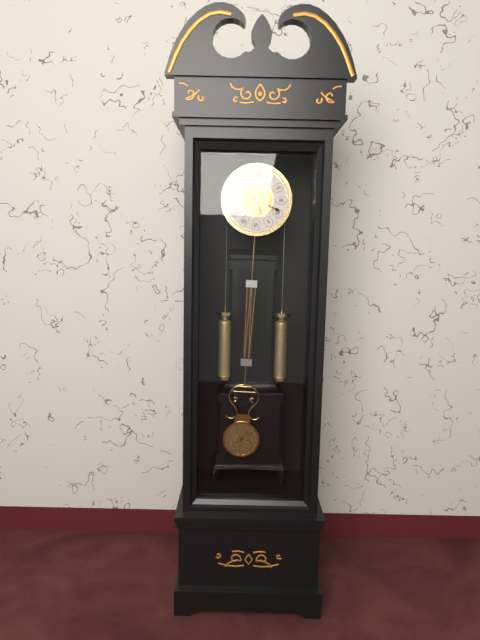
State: 5 h 19 min
